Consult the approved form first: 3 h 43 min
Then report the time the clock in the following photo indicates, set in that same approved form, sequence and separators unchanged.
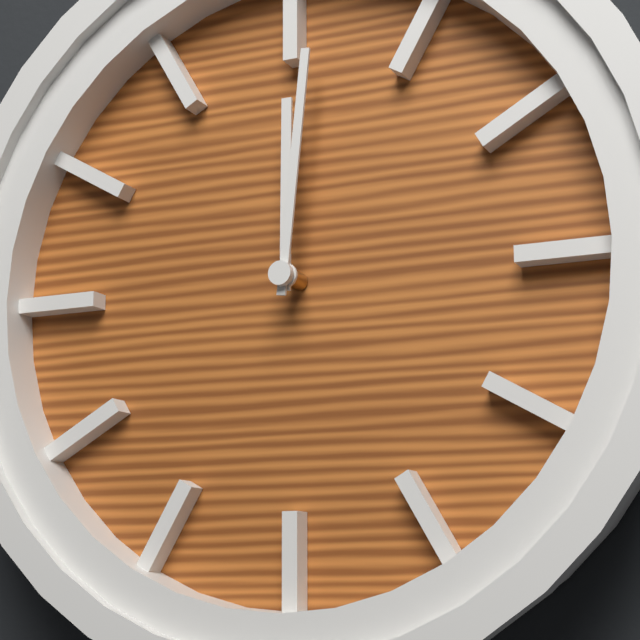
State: 12 h 01 min
